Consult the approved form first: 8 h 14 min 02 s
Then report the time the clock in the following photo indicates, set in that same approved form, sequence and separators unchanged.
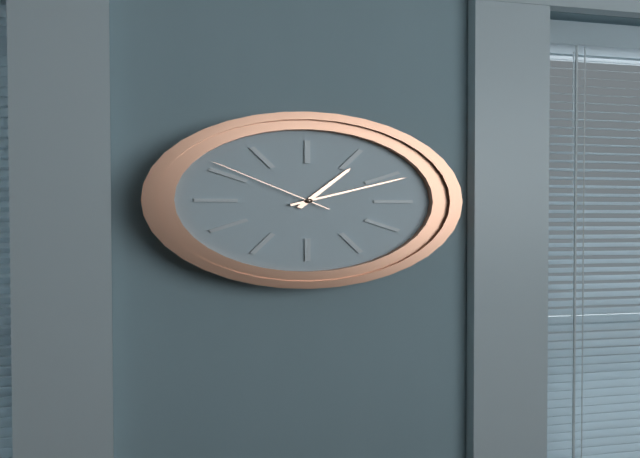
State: 1 h 11 min 51 s
